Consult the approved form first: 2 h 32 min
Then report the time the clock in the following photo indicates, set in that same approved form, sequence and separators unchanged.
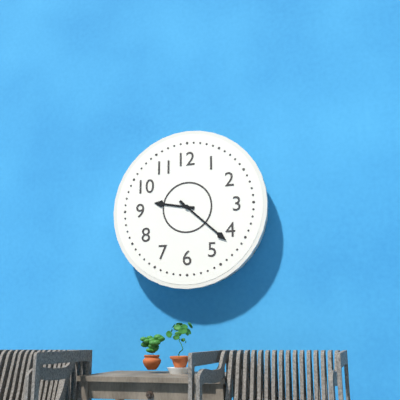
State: 9 h 22 min
